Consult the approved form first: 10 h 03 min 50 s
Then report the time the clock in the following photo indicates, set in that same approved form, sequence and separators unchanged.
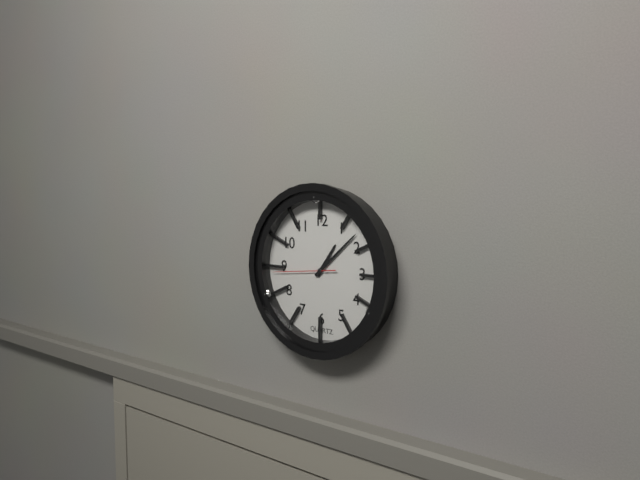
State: 1 h 08 min 44 s
